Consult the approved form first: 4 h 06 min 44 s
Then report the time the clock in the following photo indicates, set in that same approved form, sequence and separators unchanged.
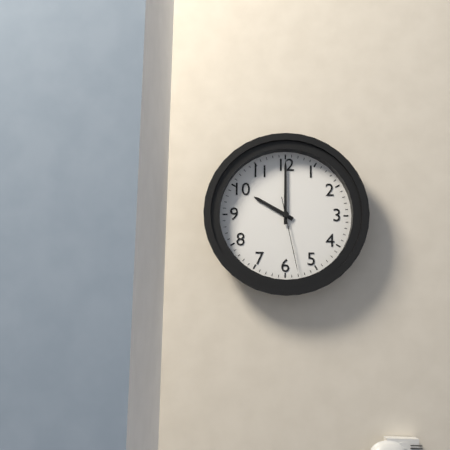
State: 10 h 00 min 28 s
